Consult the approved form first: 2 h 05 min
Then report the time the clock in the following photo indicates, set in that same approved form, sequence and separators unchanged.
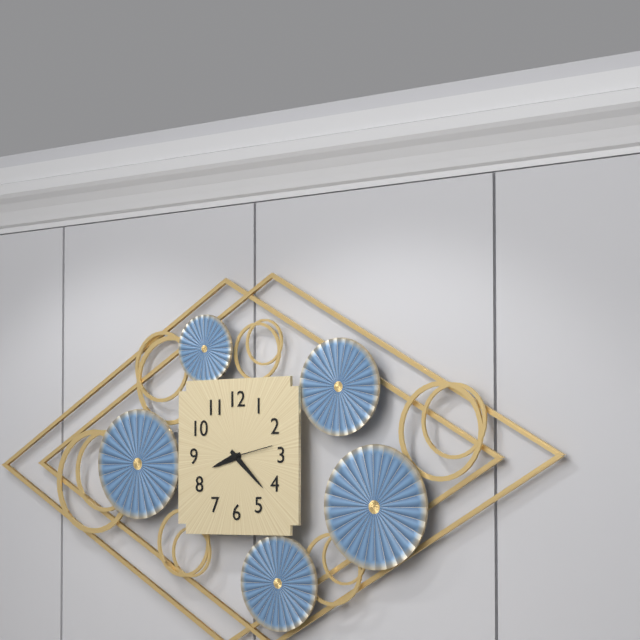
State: 8 h 22 min
